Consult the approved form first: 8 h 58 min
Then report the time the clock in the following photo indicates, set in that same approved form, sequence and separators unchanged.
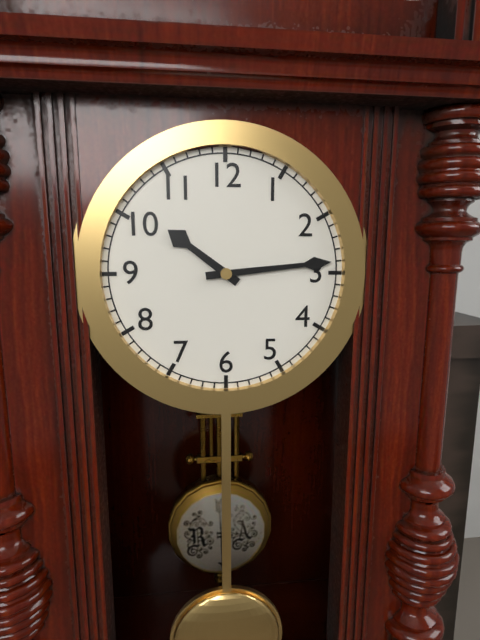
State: 10 h 14 min
